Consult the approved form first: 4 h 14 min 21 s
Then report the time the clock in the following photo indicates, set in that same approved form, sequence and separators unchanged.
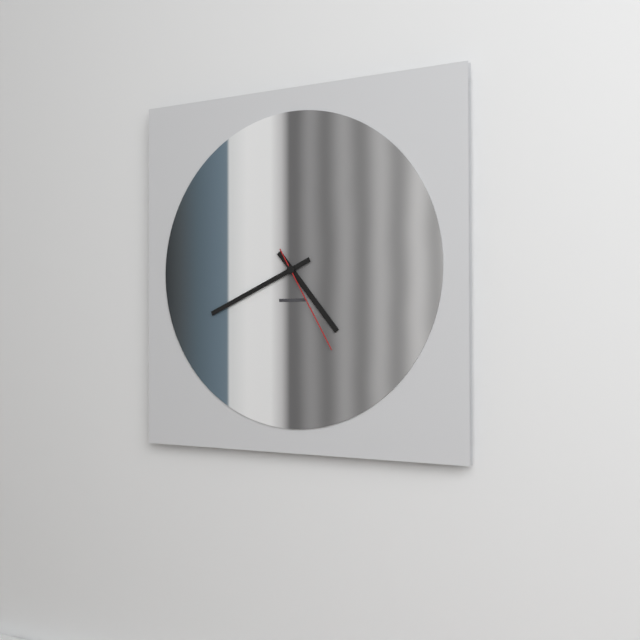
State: 4 h 41 min 25 s
